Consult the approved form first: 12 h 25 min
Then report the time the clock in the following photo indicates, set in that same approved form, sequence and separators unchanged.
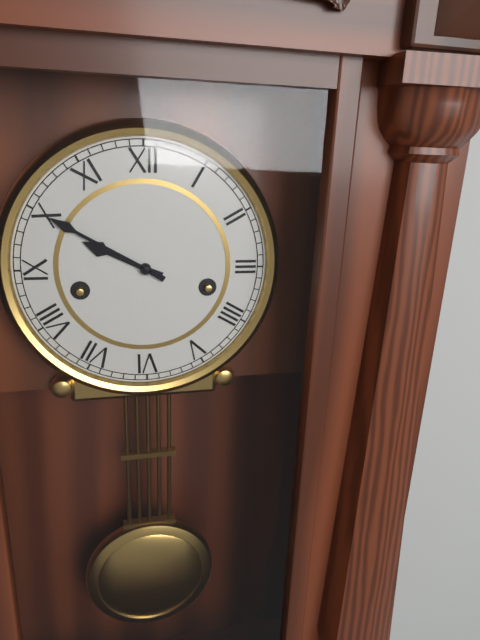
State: 9 h 50 min
